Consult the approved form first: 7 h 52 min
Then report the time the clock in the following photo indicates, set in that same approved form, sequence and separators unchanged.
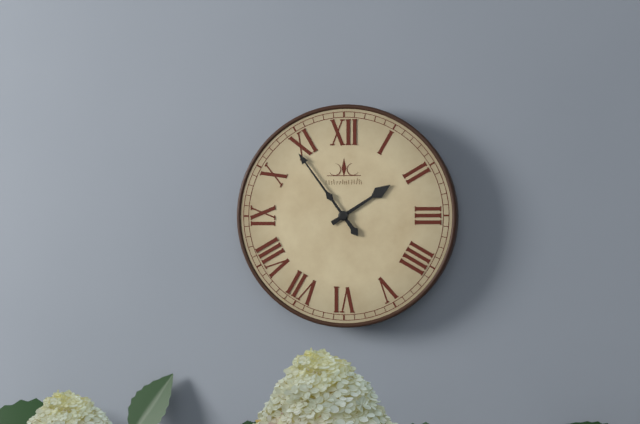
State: 1 h 54 min
